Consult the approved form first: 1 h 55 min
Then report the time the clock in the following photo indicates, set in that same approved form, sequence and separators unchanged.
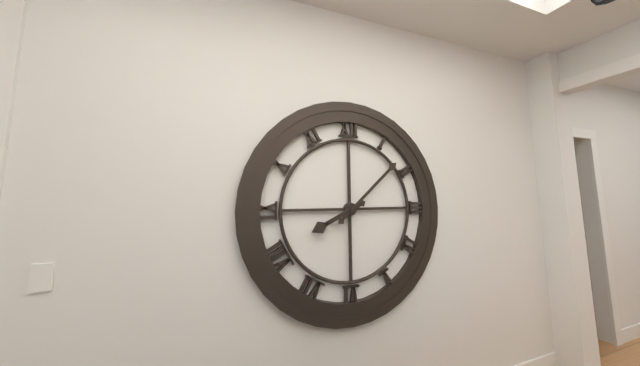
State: 8 h 08 min
